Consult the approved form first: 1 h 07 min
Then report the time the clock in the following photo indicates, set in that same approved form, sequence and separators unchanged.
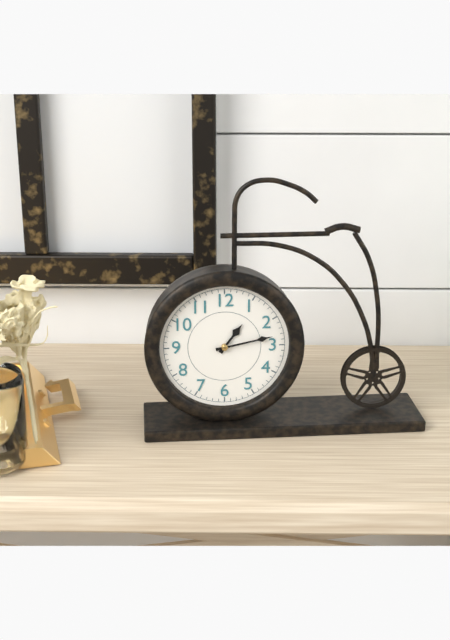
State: 1 h 13 min
